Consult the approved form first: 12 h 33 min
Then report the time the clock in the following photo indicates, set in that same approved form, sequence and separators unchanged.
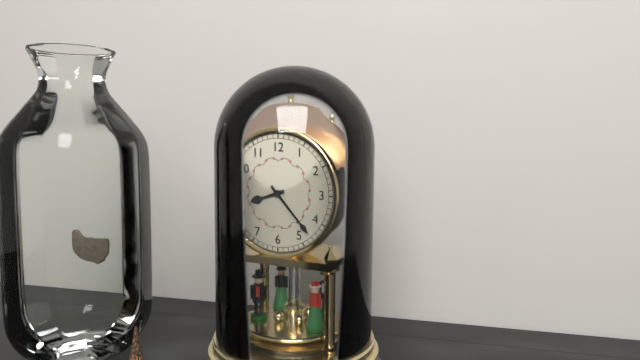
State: 8 h 23 min
